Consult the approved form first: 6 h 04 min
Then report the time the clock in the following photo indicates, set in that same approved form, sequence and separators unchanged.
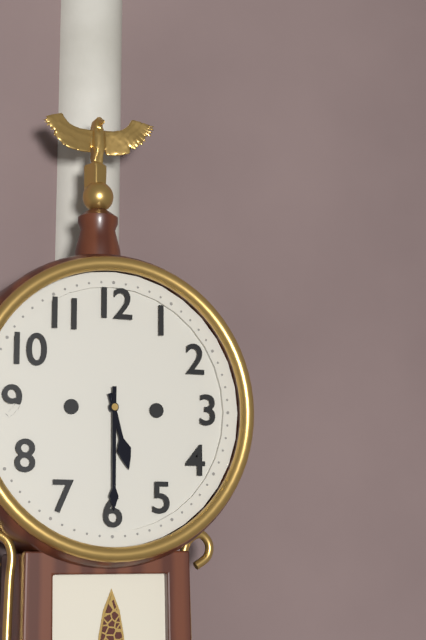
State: 5 h 30 min
